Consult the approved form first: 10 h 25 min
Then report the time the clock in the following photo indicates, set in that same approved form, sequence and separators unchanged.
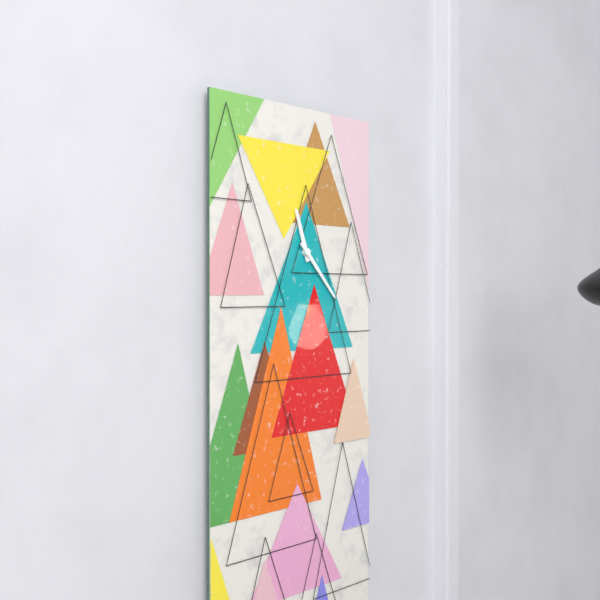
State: 11 h 23 min
